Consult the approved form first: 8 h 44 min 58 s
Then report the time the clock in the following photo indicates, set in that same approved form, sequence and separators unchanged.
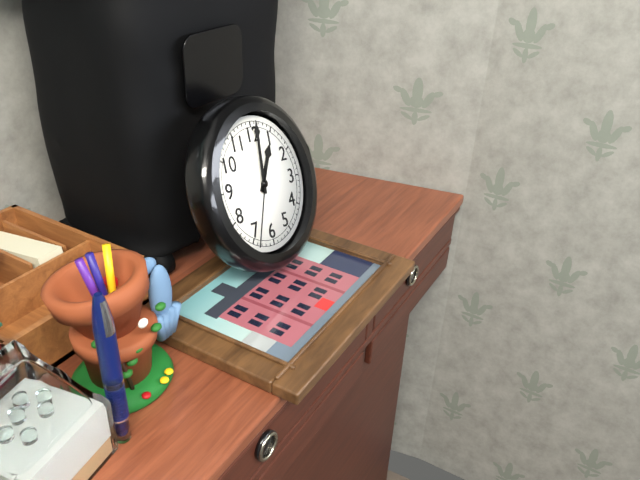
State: 1 h 01 min 34 s
